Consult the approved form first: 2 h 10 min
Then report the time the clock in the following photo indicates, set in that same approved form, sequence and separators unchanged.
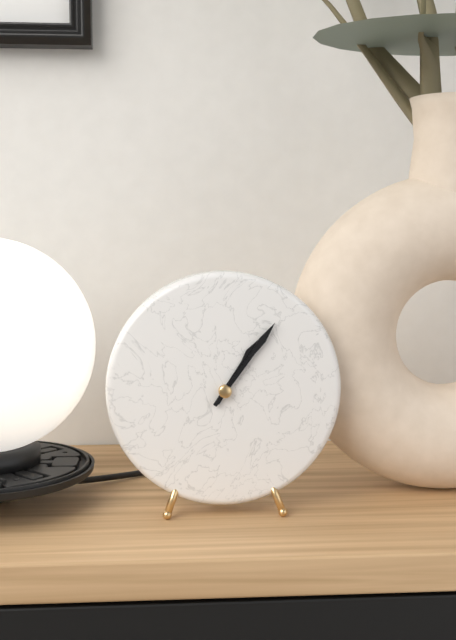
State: 1 h 06 min
